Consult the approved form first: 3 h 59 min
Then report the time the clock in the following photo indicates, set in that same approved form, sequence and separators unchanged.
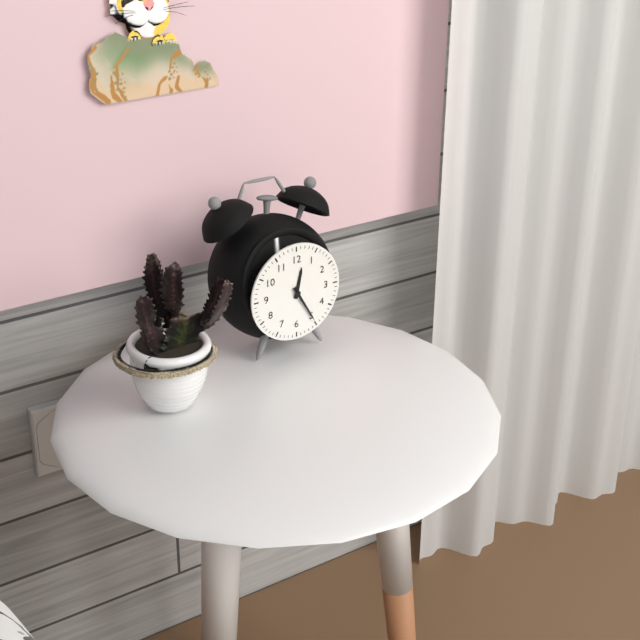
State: 12 h 25 min
